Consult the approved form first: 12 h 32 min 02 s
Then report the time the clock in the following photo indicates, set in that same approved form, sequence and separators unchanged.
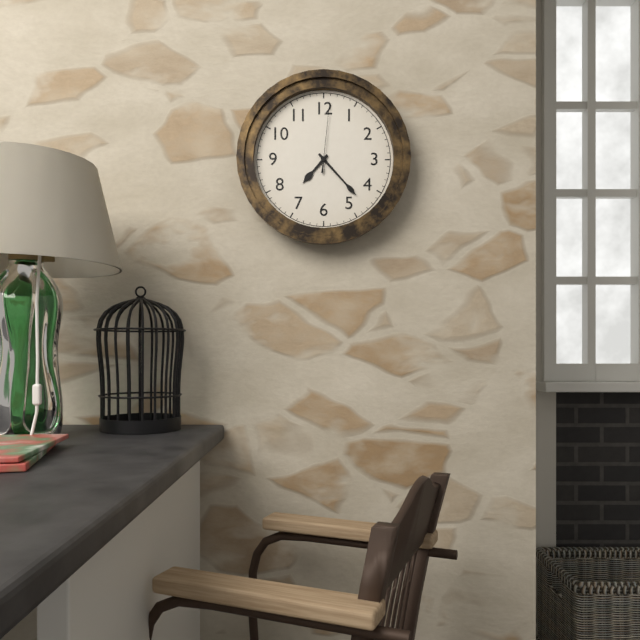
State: 7 h 23 min 01 s
